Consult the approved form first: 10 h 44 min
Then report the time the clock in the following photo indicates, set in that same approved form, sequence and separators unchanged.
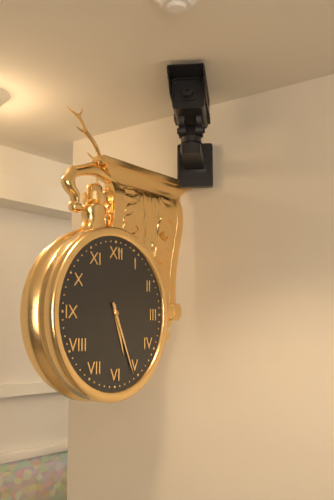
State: 5 h 26 min
